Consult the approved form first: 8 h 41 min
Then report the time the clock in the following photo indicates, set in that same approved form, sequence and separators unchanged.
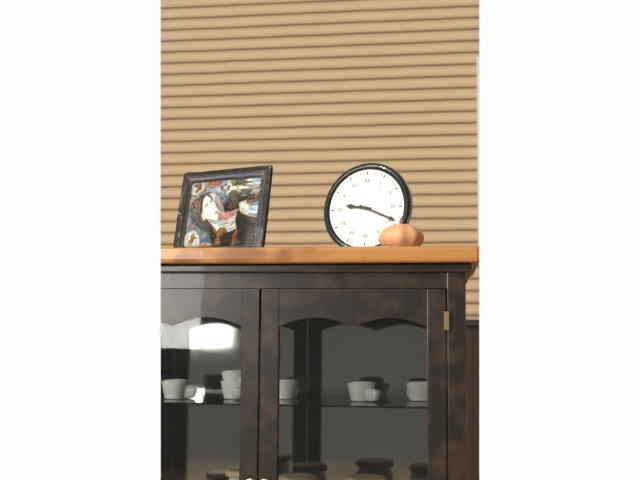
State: 9 h 19 min
